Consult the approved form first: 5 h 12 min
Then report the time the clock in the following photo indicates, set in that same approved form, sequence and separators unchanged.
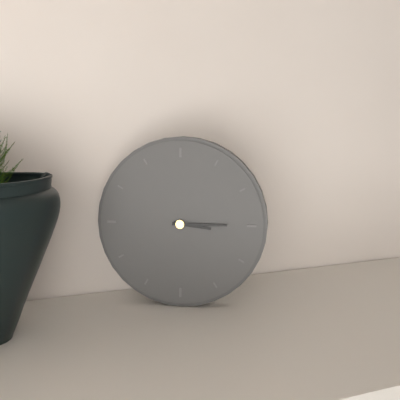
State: 3 h 15 min
